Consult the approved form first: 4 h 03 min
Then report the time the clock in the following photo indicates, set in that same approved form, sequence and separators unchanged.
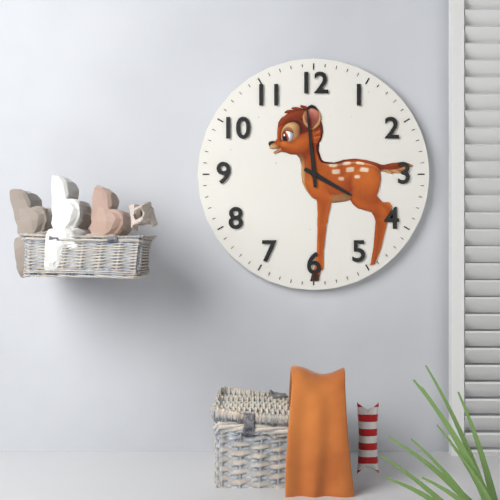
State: 3 h 59 min
